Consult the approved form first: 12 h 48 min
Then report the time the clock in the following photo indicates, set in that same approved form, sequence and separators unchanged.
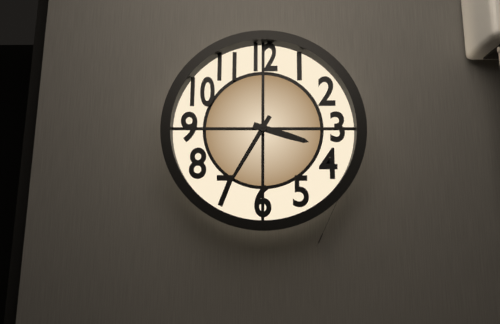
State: 3 h 35 min
